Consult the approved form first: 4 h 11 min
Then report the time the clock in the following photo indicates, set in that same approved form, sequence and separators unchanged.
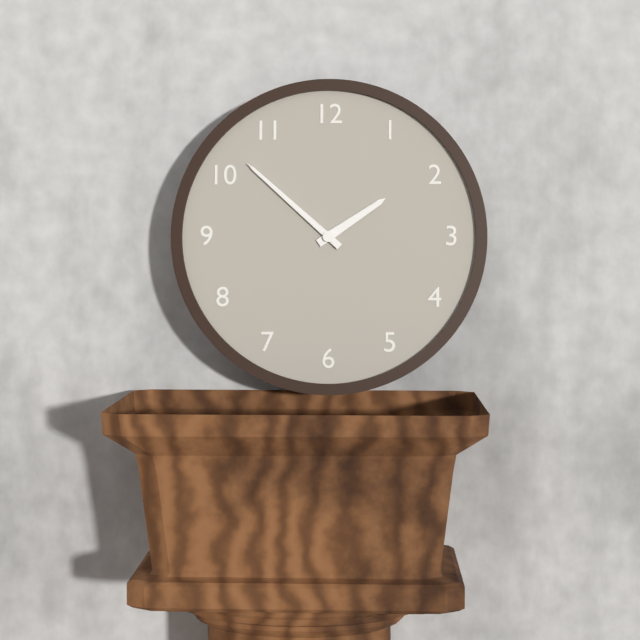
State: 1 h 52 min
